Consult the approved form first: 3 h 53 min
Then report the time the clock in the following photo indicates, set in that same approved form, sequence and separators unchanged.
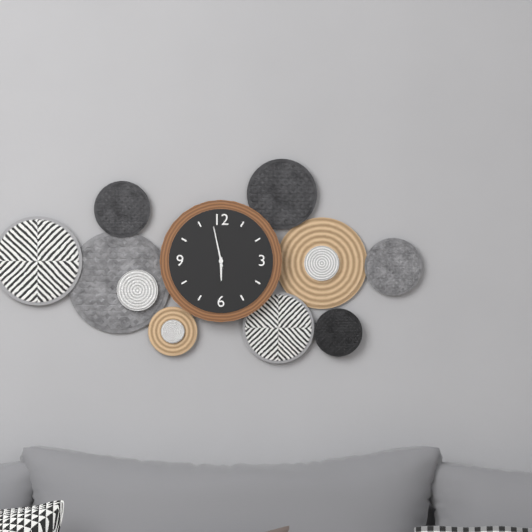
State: 5 h 58 min
